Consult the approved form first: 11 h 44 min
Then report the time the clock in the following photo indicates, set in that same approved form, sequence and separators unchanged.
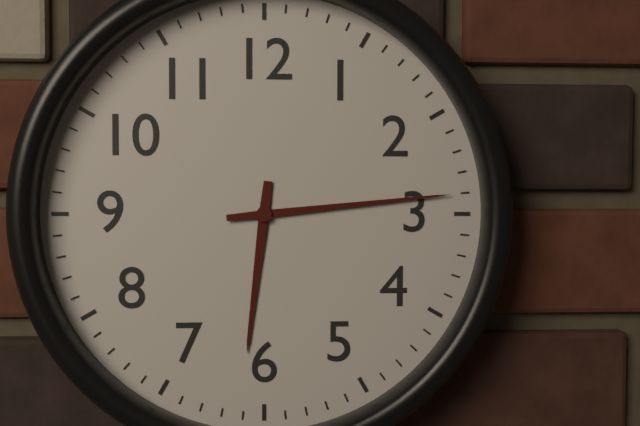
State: 6 h 14 min
